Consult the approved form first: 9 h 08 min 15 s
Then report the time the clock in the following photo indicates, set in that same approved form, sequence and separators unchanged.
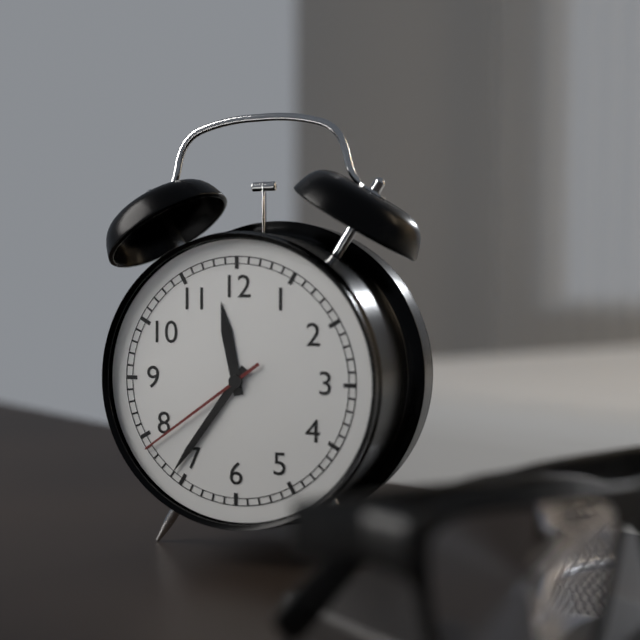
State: 11 h 36 min 39 s
